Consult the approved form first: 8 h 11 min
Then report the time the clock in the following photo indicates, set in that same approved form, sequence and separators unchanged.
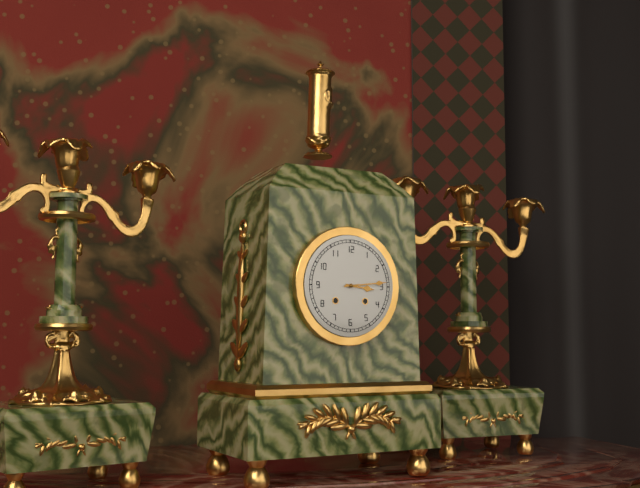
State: 3 h 14 min
